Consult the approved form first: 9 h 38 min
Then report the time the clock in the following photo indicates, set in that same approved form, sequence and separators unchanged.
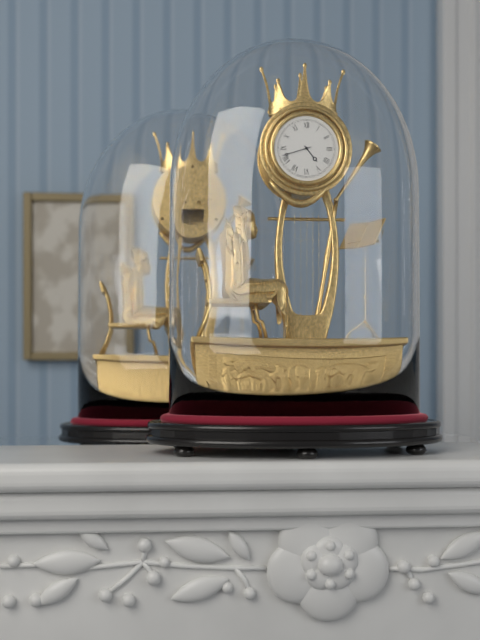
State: 4 h 42 min
